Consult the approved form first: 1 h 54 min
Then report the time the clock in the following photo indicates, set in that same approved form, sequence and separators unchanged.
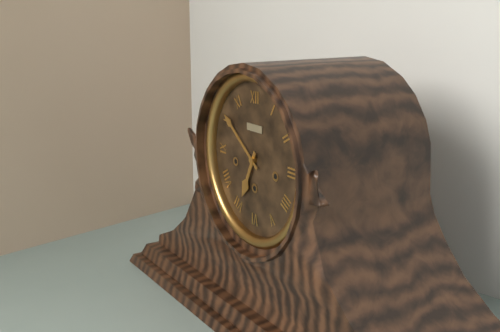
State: 6 h 51 min
